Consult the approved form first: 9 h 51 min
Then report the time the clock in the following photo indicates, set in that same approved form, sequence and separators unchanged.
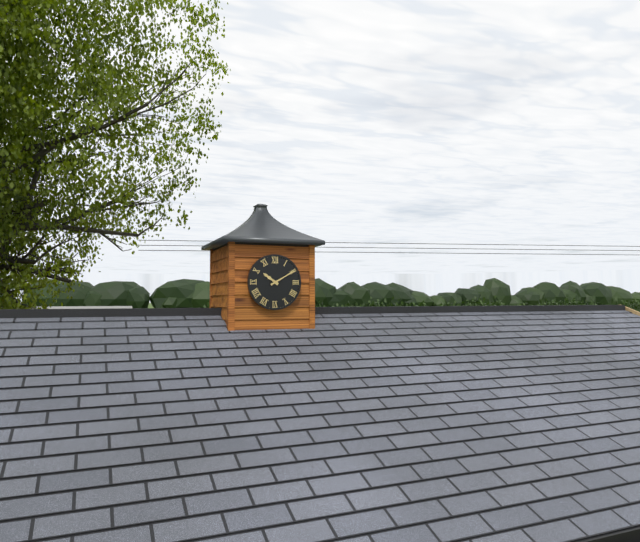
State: 10 h 10 min
